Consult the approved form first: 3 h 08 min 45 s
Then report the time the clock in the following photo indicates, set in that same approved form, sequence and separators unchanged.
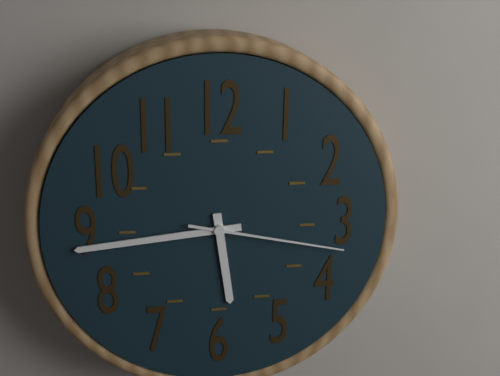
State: 5 h 44 min 17 s
